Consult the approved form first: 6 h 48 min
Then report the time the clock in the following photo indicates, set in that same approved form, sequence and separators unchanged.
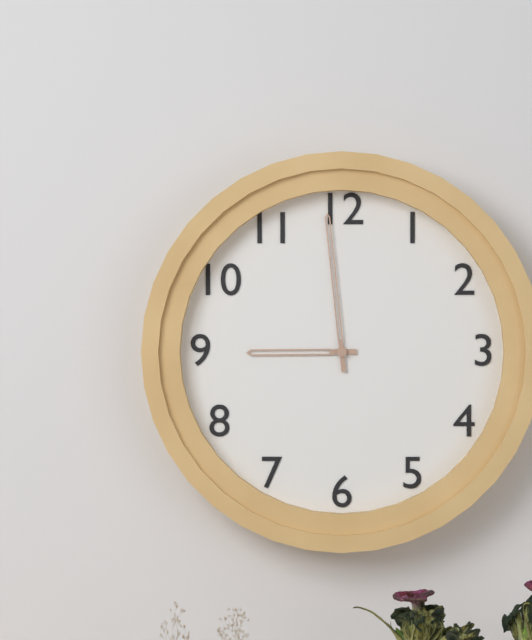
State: 8 h 59 min
